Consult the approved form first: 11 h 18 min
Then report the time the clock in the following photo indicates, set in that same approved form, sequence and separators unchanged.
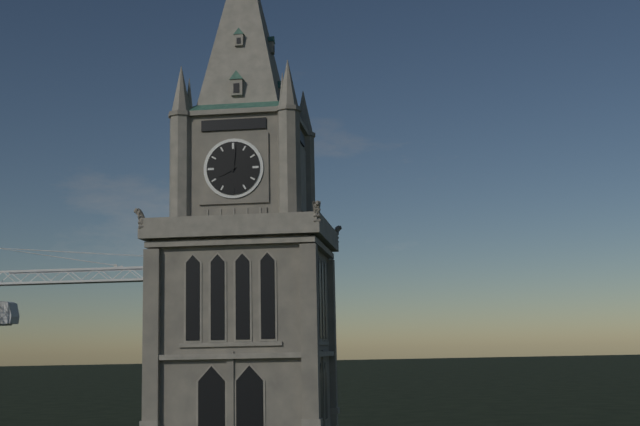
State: 8 h 01 min
